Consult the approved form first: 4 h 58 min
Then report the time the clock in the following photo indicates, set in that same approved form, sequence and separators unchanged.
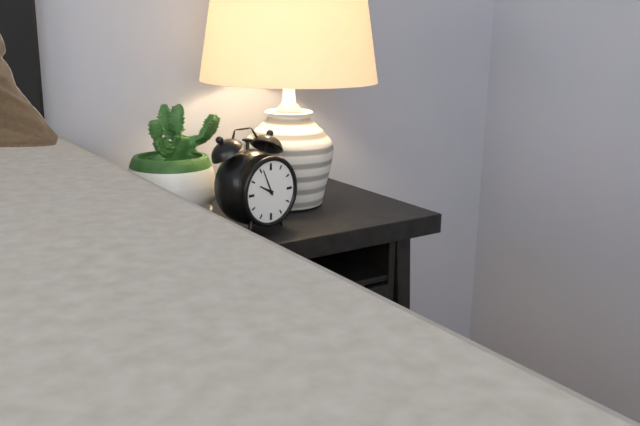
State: 9 h 56 min
